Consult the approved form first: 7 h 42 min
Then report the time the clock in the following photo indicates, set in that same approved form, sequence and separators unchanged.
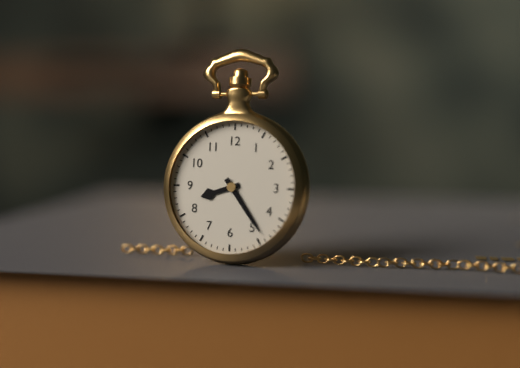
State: 8 h 24 min
